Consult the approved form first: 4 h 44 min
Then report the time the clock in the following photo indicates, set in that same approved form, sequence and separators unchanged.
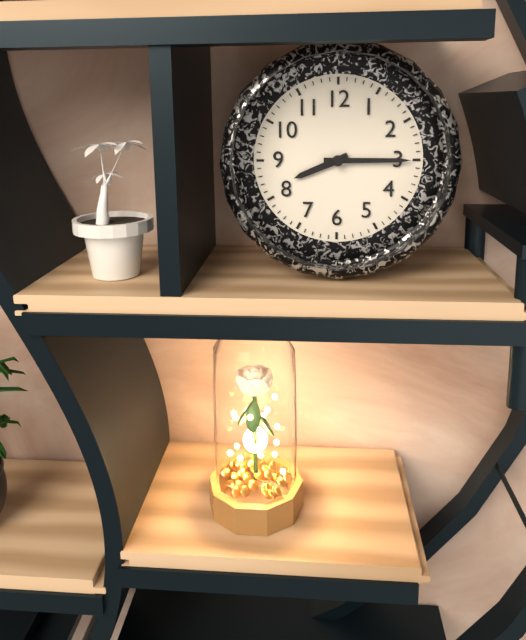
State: 8 h 15 min
